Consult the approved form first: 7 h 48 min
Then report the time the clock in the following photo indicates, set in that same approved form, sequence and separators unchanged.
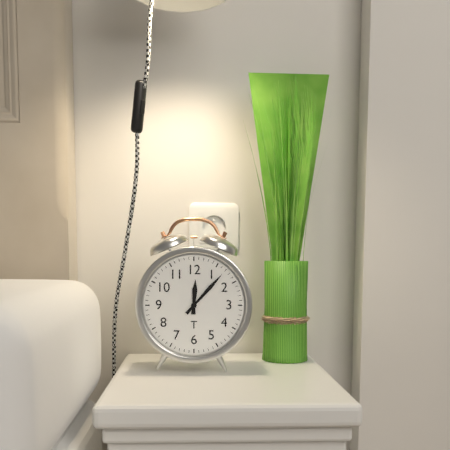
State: 12 h 07 min
